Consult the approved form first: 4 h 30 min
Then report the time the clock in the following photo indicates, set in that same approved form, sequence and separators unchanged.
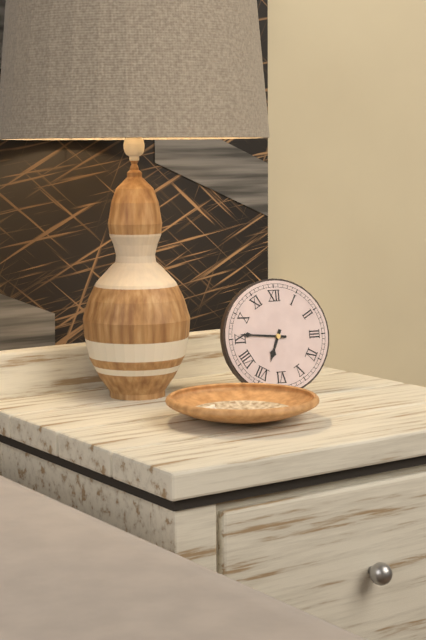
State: 6 h 46 min
